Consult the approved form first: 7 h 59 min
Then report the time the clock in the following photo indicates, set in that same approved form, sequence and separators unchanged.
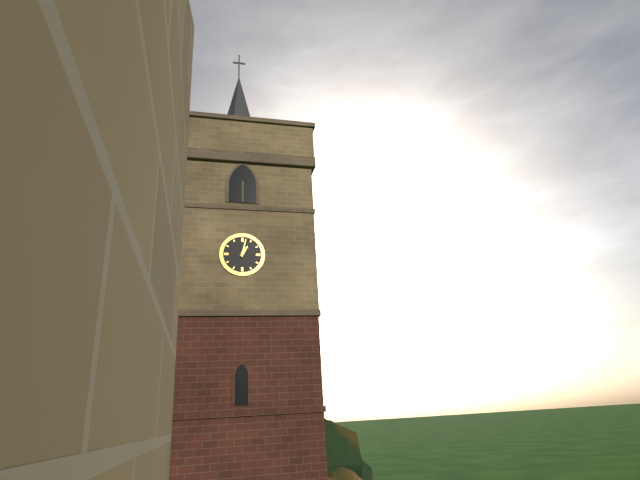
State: 1 h 02 min
